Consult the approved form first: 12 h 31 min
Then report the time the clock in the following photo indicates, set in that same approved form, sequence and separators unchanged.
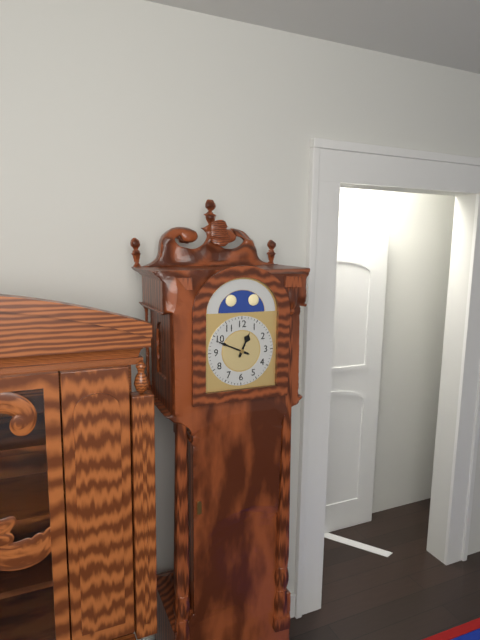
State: 12 h 49 min
